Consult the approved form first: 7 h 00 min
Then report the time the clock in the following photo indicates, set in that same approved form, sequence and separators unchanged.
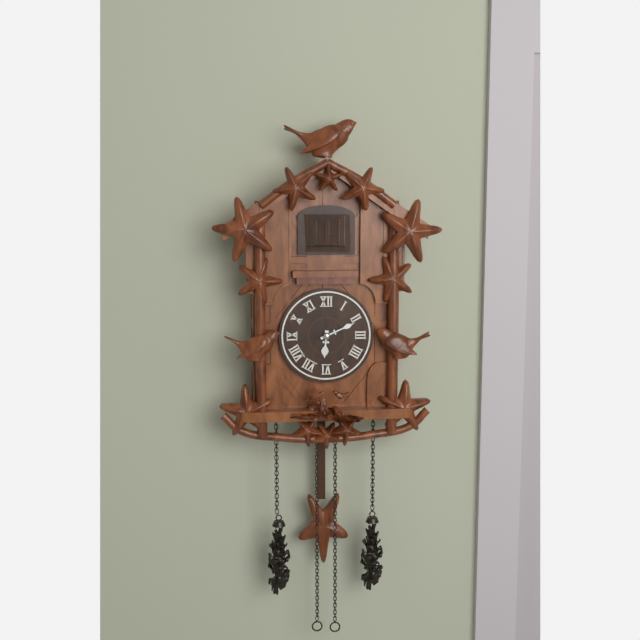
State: 6 h 11 min
